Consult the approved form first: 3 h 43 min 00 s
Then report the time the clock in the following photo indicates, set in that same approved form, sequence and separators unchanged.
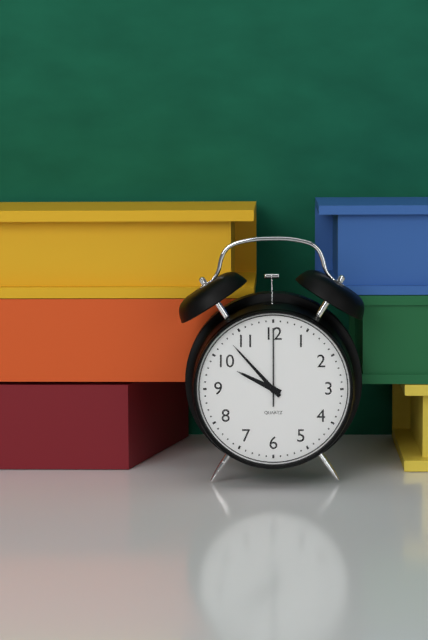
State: 9 h 53 min 00 s
